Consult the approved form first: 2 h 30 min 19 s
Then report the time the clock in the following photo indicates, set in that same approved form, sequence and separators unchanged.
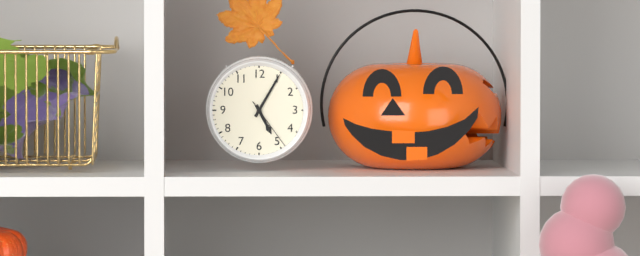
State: 5 h 05 min 24 s
